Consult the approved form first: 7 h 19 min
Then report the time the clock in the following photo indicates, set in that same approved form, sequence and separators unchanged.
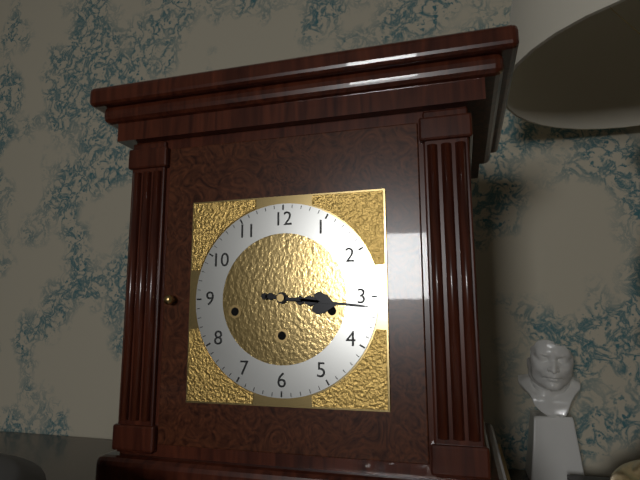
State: 3 h 16 min
